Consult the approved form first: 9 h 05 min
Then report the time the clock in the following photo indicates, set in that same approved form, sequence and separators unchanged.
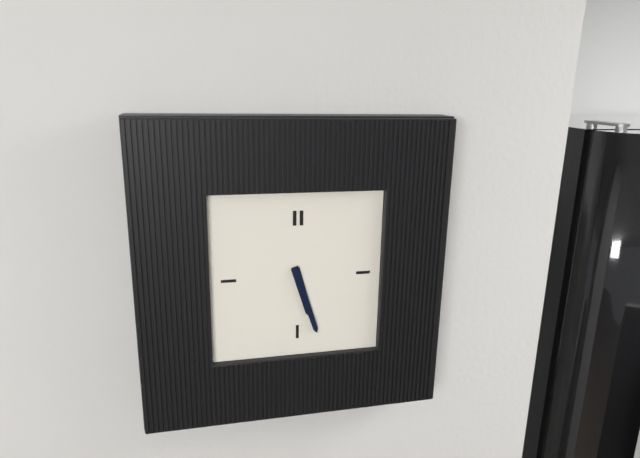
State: 5 h 27 min
